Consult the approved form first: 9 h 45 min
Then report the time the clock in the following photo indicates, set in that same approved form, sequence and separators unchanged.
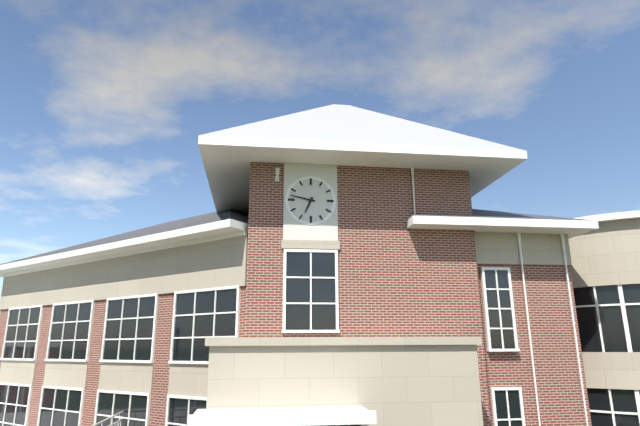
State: 6 h 47 min
